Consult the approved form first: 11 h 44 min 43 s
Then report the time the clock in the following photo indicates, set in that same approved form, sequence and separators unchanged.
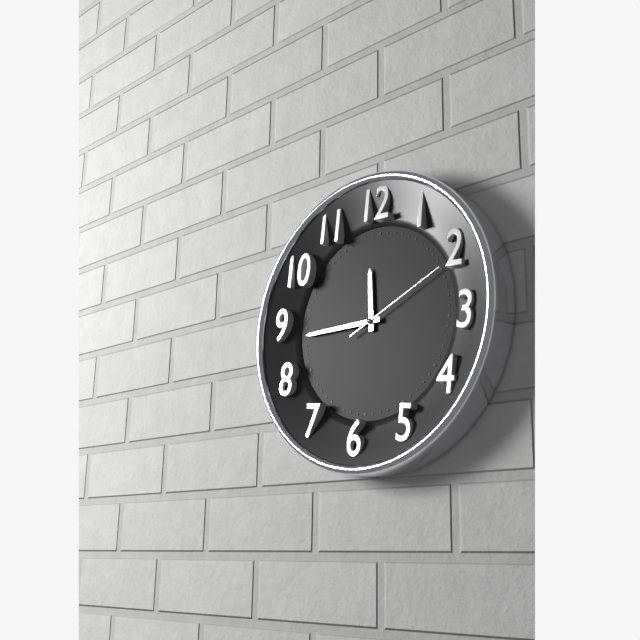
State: 11 h 44 min 10 s
